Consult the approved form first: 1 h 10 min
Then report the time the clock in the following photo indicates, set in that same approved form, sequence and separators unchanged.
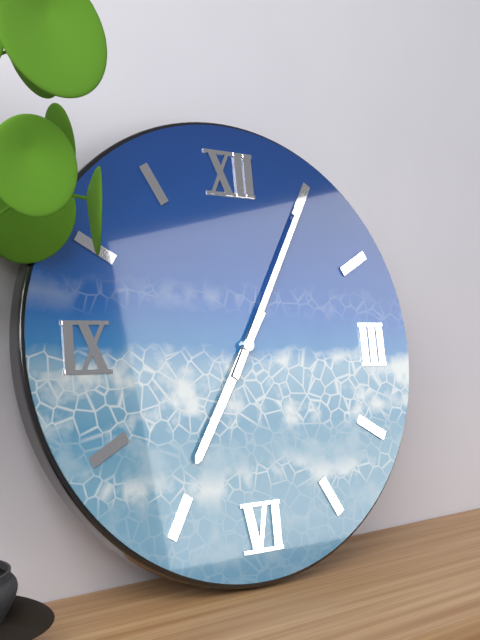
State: 7 h 05 min
